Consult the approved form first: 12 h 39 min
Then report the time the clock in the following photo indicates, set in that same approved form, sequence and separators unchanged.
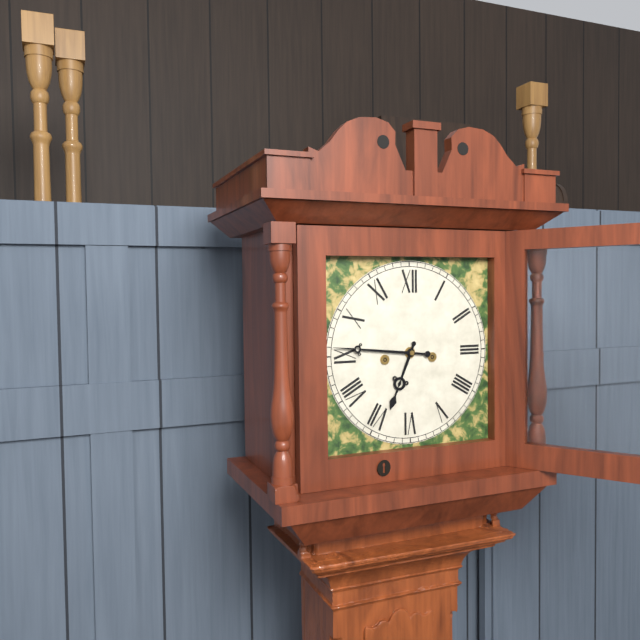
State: 6 h 46 min
